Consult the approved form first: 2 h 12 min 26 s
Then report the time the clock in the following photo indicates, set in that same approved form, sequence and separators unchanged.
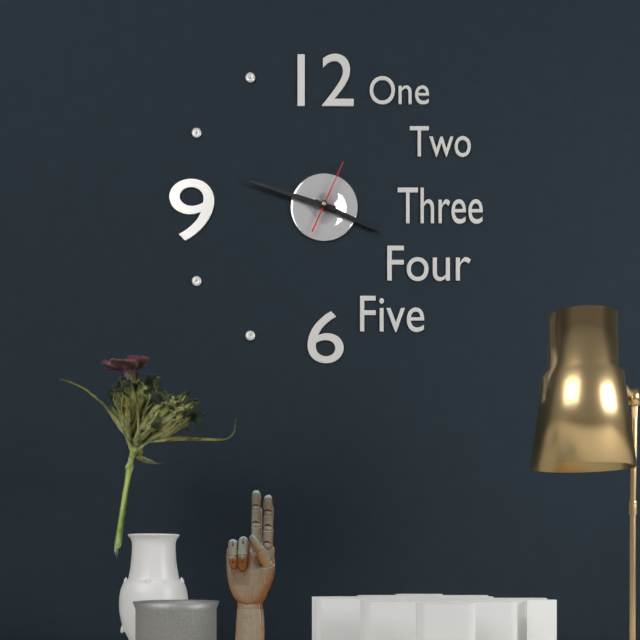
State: 3 h 48 min 04 s
